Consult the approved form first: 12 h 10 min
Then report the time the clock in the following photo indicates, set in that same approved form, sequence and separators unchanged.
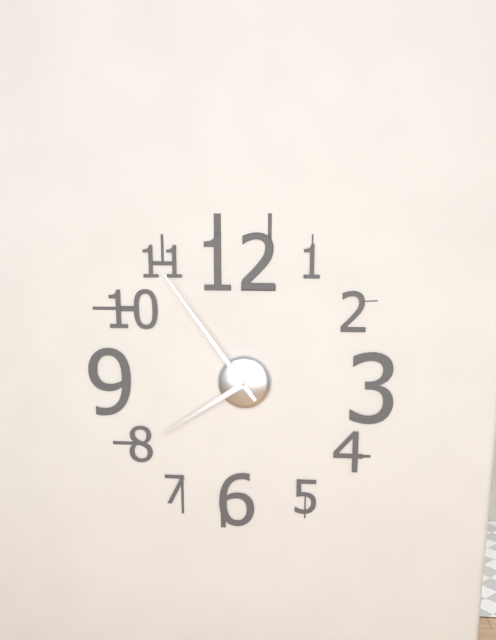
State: 7 h 54 min
